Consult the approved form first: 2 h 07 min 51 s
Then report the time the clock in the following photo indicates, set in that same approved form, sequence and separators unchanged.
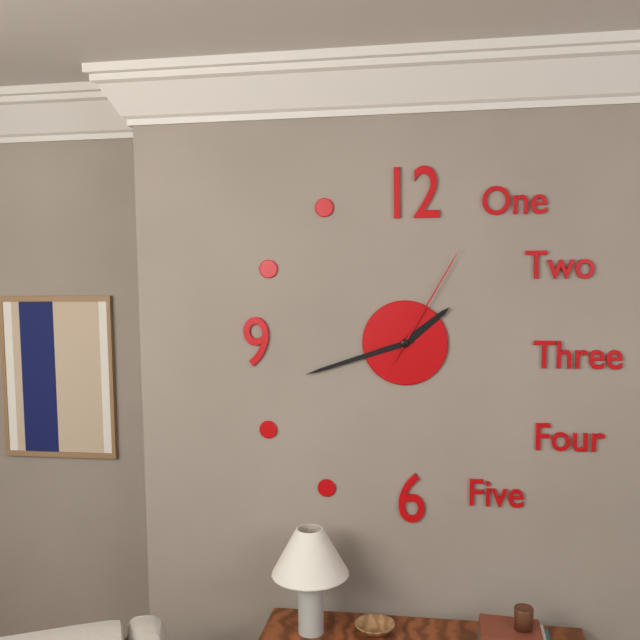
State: 1 h 42 min 05 s
